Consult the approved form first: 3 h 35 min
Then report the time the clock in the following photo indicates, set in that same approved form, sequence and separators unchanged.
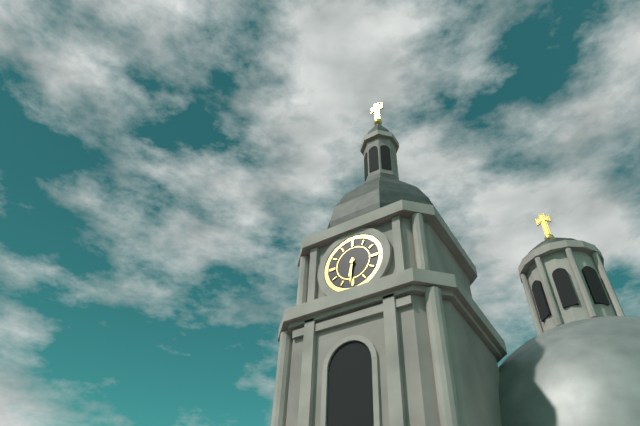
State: 6 h 31 min
